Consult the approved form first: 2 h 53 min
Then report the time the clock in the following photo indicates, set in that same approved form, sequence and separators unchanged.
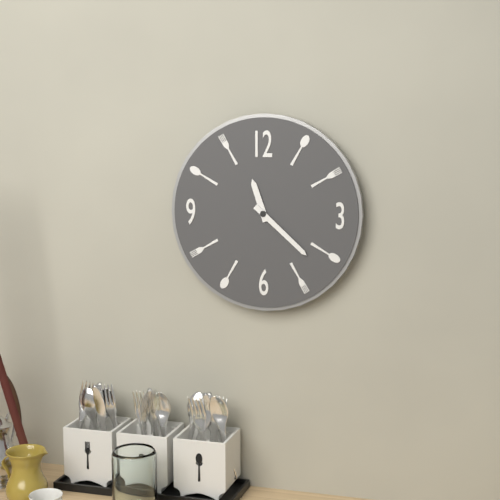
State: 11 h 22 min
